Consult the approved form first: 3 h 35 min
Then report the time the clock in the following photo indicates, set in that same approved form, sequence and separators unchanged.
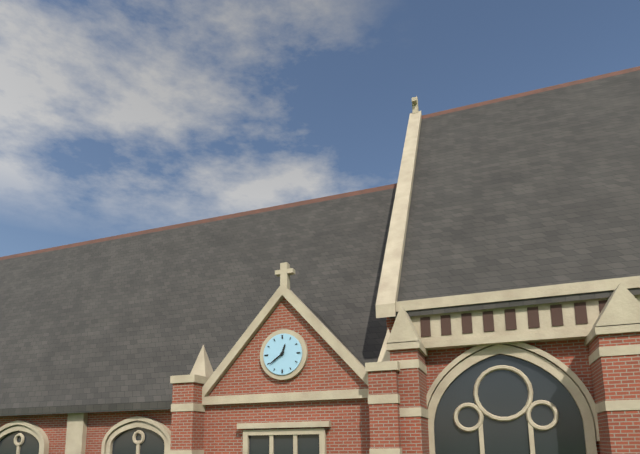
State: 12 h 39 min
